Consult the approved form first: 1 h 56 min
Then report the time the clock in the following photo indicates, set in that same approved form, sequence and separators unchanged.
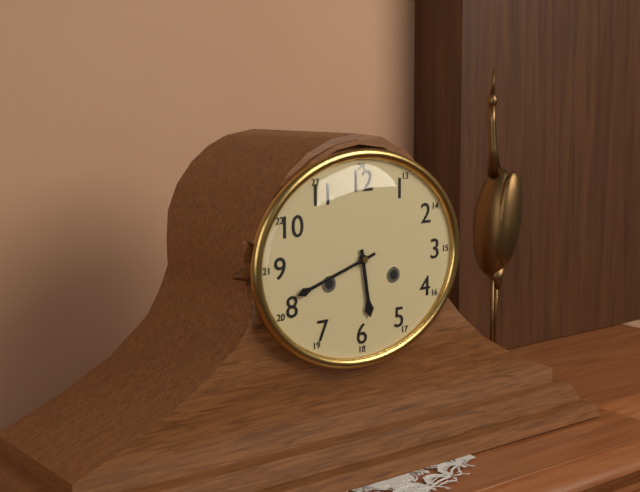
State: 5 h 42 min
